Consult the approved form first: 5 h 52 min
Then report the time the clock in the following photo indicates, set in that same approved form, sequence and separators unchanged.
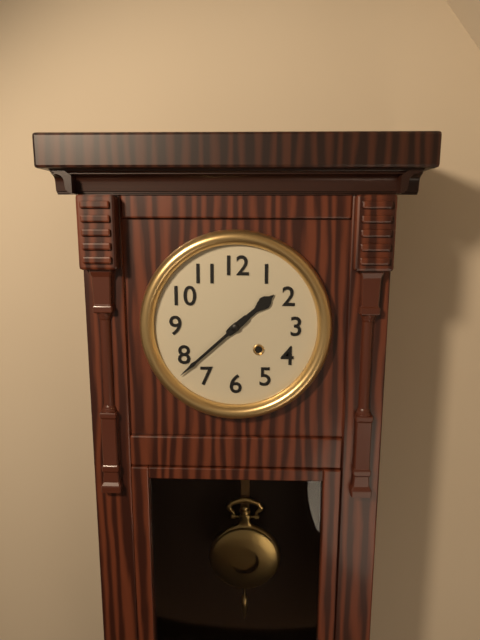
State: 1 h 38 min
